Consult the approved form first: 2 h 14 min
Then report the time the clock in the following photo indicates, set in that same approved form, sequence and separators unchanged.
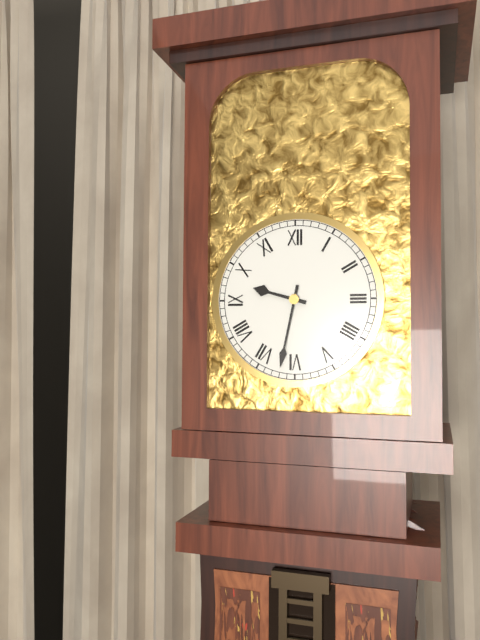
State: 9 h 32 min
